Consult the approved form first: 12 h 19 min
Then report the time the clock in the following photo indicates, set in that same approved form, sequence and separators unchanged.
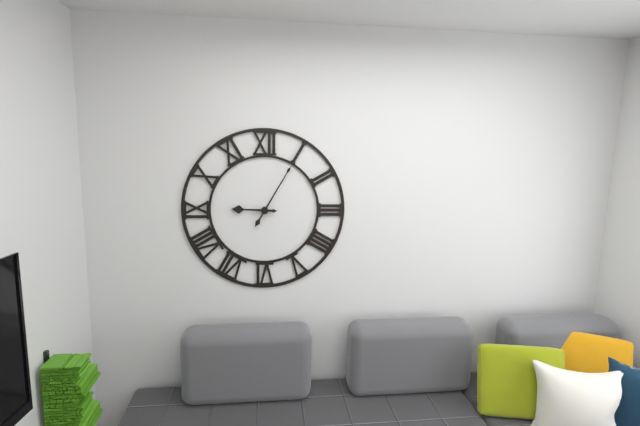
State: 9 h 05 min
